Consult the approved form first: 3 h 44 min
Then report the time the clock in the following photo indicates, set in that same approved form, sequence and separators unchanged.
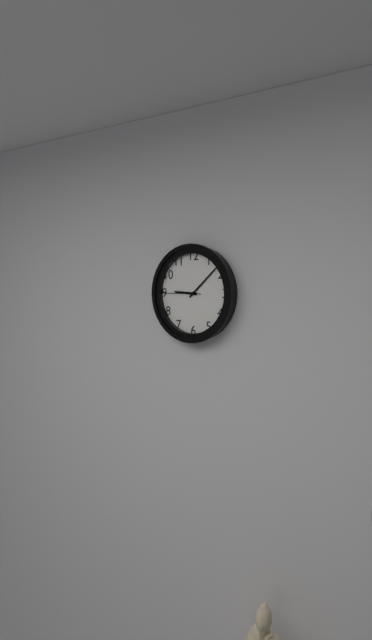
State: 9 h 08 min
